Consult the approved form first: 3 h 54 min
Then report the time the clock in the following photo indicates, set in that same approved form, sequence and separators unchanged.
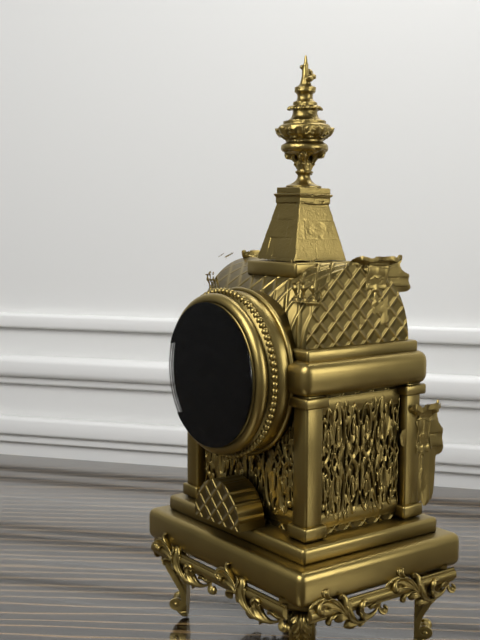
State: 12 h 01 min
